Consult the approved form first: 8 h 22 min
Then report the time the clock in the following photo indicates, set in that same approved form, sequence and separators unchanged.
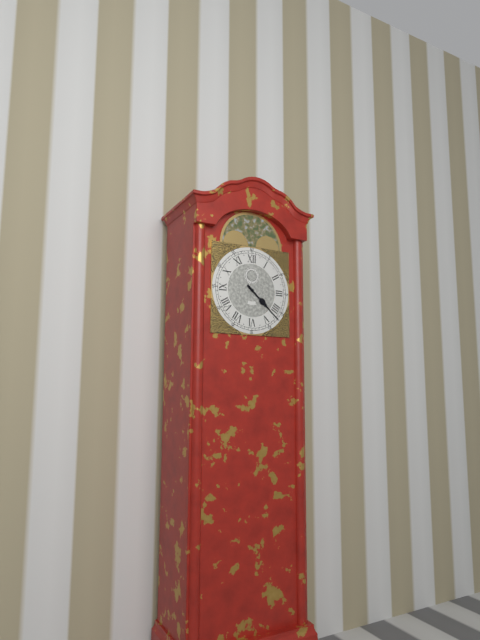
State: 4 h 22 min
